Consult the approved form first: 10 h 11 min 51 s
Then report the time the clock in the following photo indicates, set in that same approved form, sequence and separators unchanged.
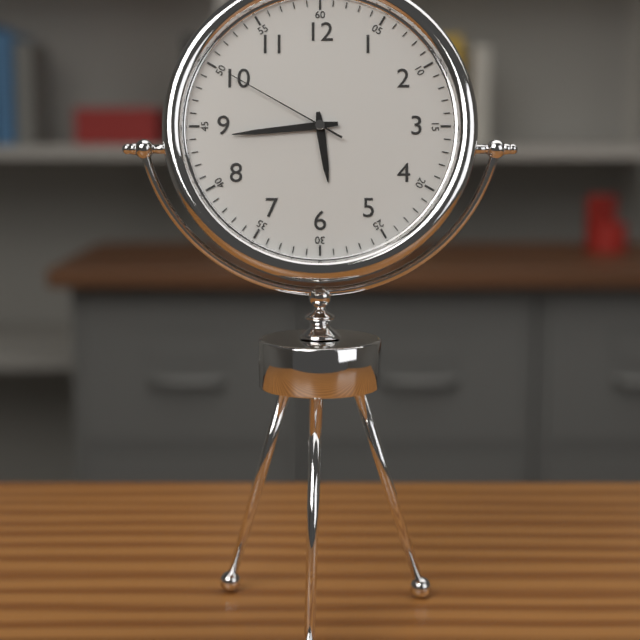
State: 5 h 44 min 50 s
